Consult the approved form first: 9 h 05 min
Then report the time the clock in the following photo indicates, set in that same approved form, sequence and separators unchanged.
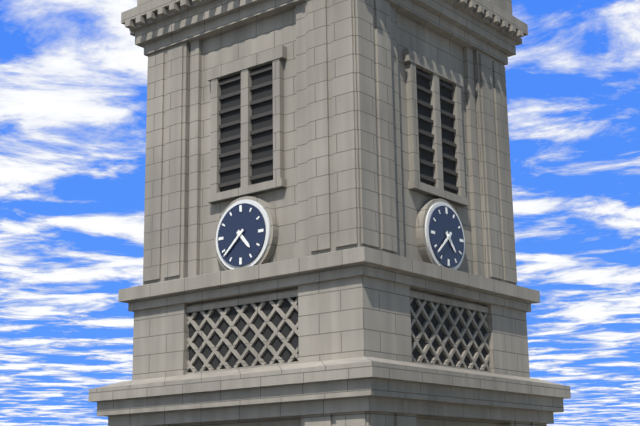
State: 4 h 38 min
